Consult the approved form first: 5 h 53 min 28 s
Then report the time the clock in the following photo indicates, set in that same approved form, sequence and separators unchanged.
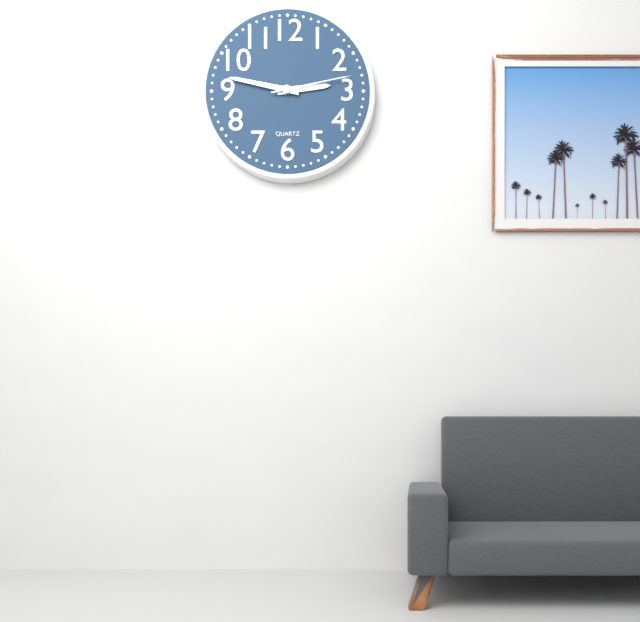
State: 2 h 47 min 13 s
